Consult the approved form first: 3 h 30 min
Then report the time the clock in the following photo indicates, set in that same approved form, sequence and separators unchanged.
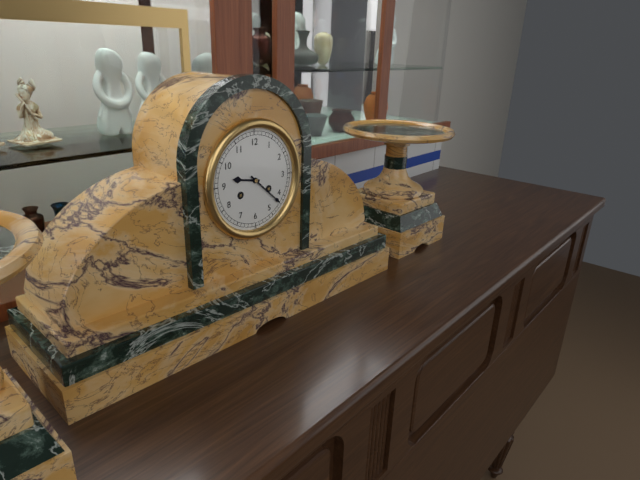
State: 9 h 22 min
